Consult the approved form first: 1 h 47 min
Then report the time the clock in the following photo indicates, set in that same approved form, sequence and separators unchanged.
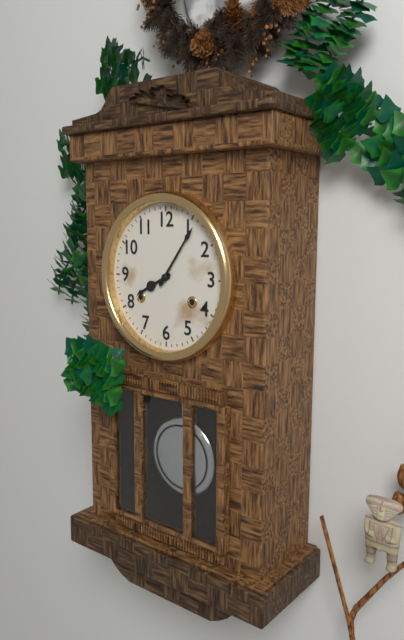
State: 8 h 06 min
